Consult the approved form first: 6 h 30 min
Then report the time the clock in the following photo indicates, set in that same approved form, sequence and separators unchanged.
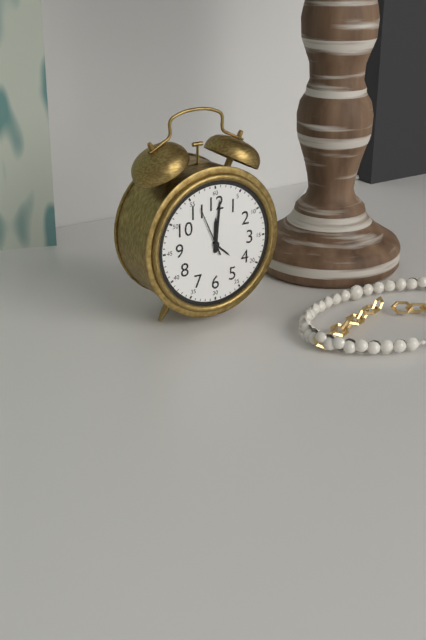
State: 12 h 01 min
